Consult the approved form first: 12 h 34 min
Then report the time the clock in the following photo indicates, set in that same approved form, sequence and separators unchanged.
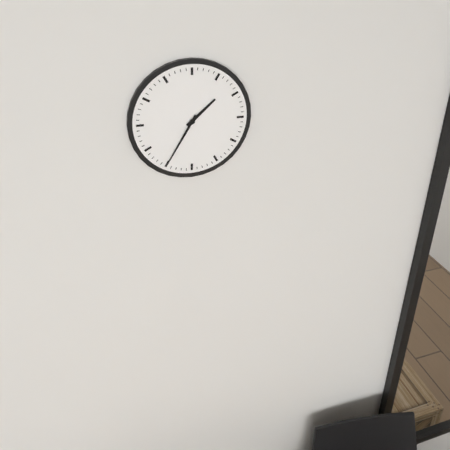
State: 1 h 35 min
